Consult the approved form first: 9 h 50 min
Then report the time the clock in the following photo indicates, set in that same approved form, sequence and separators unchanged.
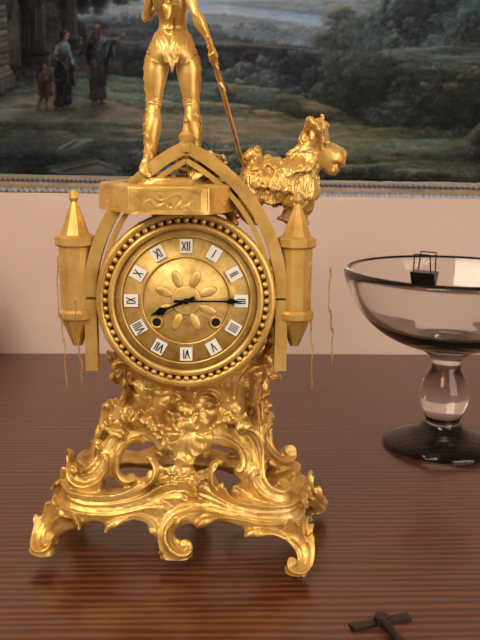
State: 8 h 15 min
